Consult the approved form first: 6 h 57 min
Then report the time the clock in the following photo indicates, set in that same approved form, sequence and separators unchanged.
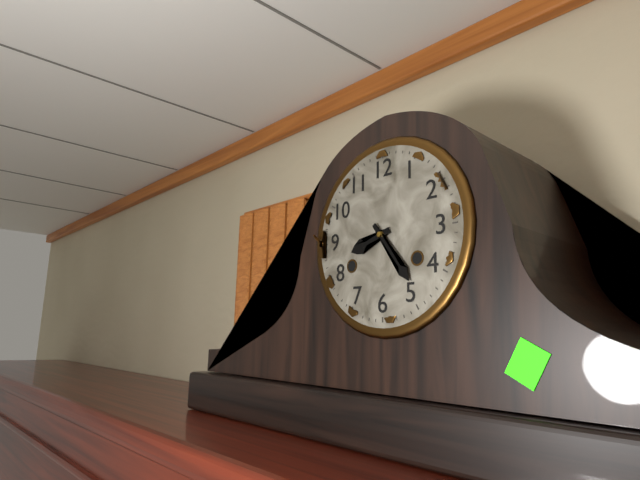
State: 8 h 24 min
